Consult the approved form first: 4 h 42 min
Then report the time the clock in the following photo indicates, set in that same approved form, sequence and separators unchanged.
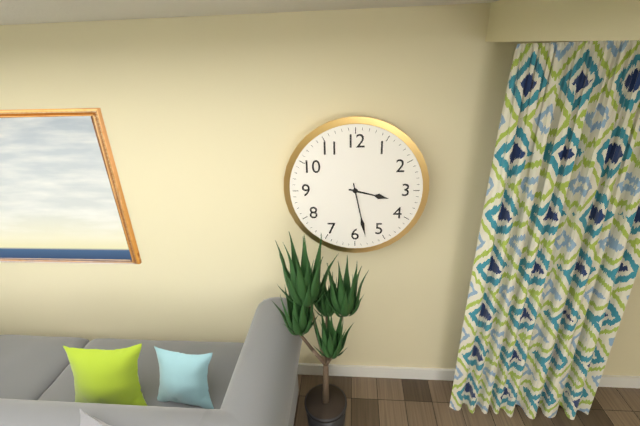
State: 3 h 28 min
